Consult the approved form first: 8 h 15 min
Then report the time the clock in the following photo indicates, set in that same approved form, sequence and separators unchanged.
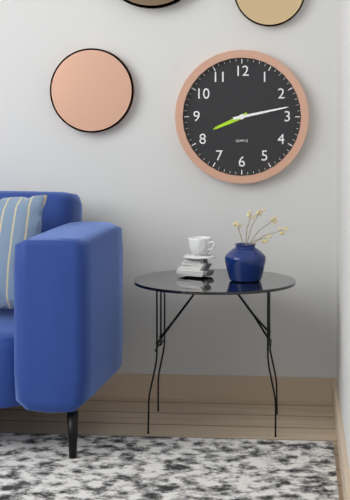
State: 8 h 13 min
